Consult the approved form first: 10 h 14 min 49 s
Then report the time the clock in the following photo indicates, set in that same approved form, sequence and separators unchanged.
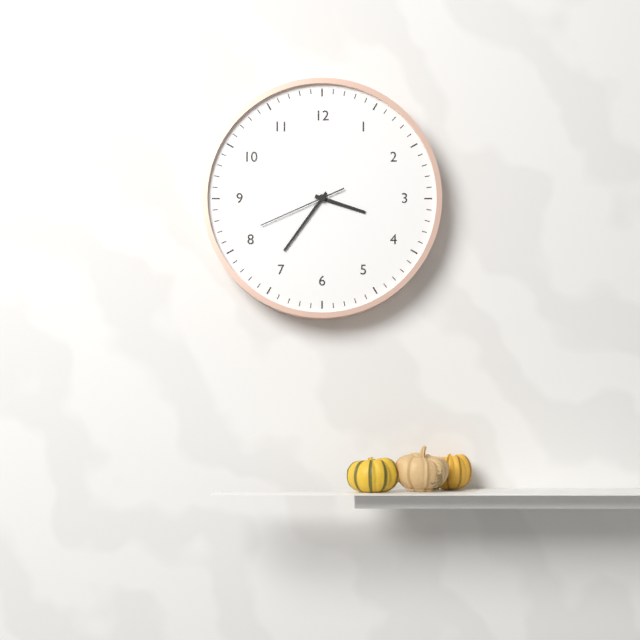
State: 3 h 36 min 41 s
